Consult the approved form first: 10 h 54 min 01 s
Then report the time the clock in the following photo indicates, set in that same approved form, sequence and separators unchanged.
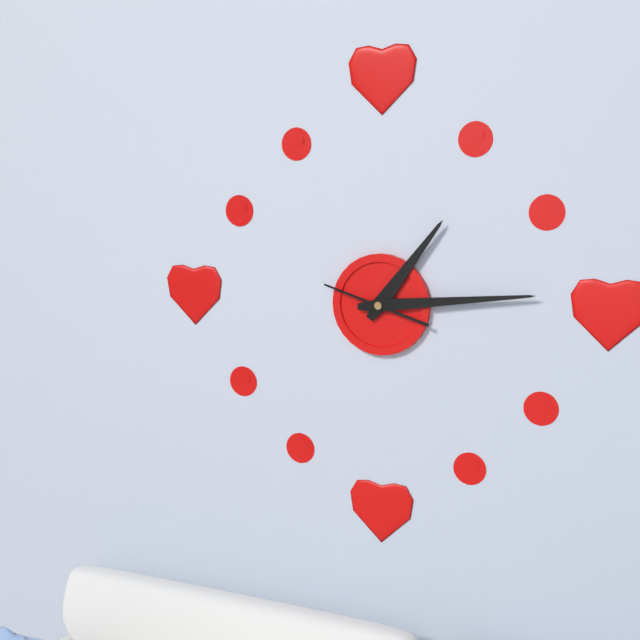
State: 1 h 14 min 48 s
